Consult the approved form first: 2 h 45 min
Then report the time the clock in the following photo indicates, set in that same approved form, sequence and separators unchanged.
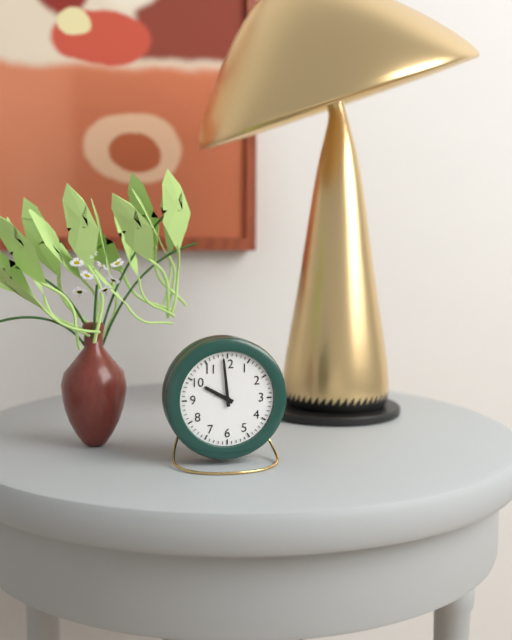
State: 9 h 59 min
